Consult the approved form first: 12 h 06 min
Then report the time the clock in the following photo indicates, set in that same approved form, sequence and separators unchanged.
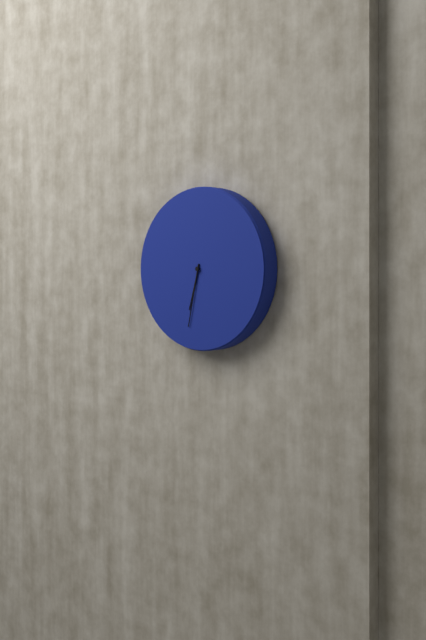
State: 6 h 32 min
